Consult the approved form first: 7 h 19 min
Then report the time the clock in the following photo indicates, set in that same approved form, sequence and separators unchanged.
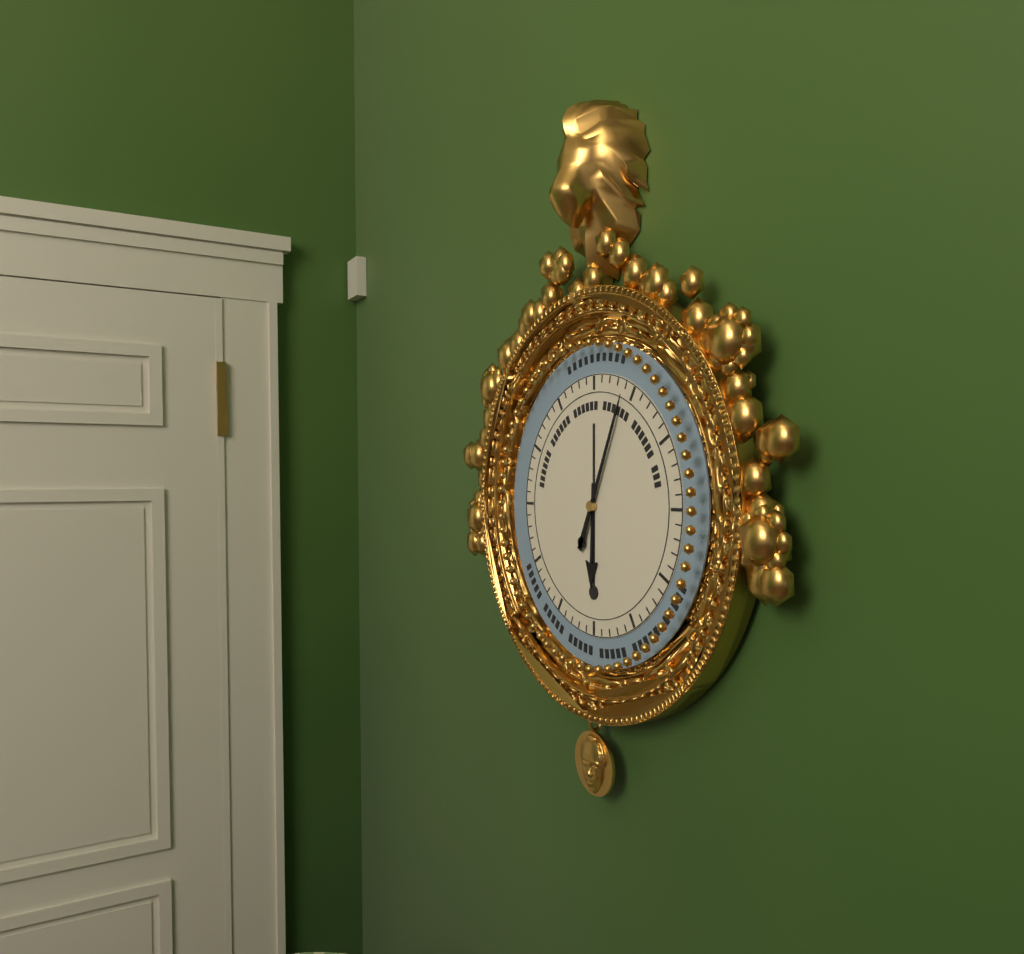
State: 6 h 04 min
